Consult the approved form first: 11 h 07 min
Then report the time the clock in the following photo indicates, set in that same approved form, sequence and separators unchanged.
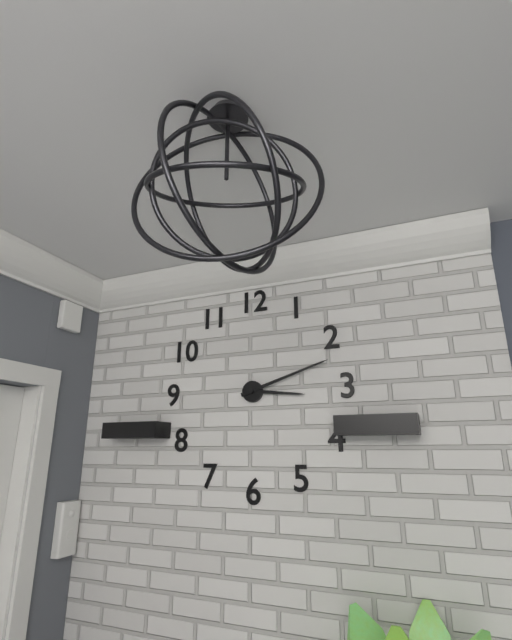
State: 3 h 12 min
